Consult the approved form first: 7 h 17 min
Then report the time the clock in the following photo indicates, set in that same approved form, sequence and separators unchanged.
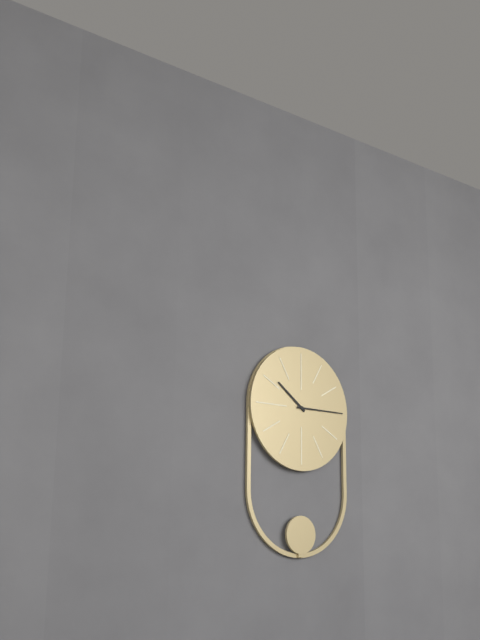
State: 10 h 15 min
